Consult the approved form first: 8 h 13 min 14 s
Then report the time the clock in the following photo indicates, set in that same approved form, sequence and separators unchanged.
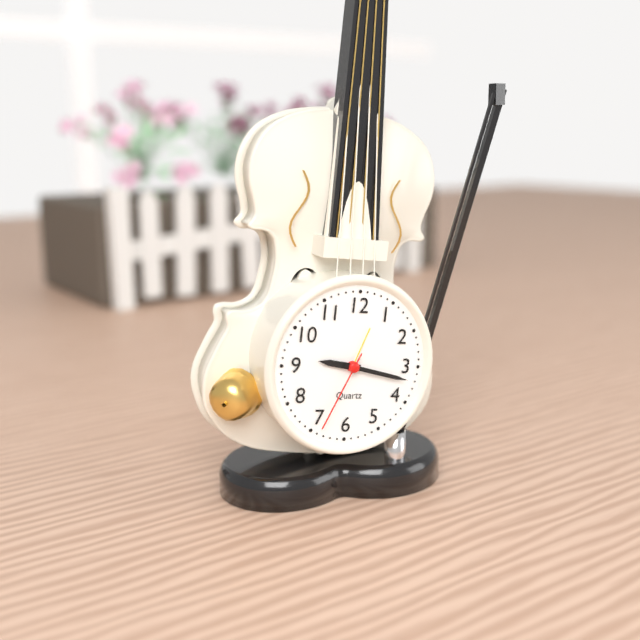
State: 9 h 17 min 34 s
